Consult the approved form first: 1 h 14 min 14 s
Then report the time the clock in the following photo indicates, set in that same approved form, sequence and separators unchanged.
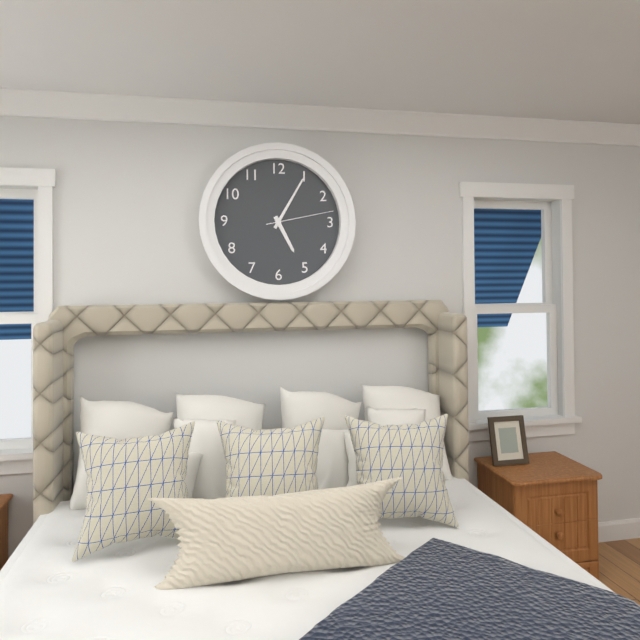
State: 5 h 05 min 13 s
